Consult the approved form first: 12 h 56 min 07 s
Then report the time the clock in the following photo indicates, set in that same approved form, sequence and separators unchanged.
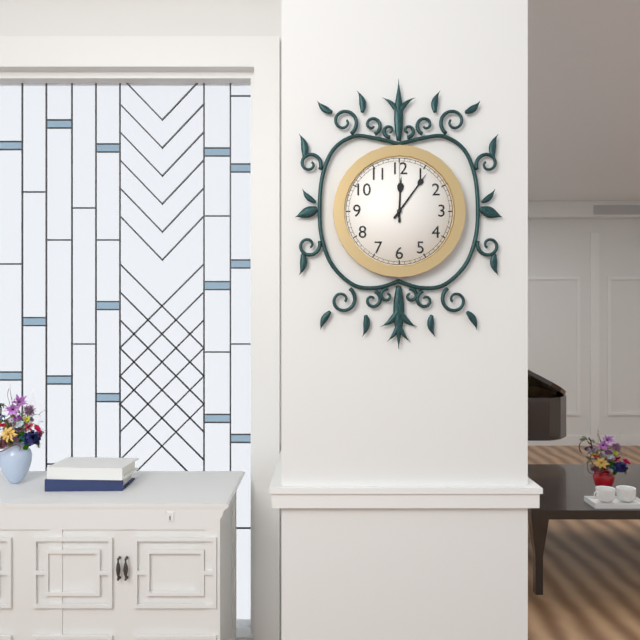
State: 12 h 06 min 00 s
